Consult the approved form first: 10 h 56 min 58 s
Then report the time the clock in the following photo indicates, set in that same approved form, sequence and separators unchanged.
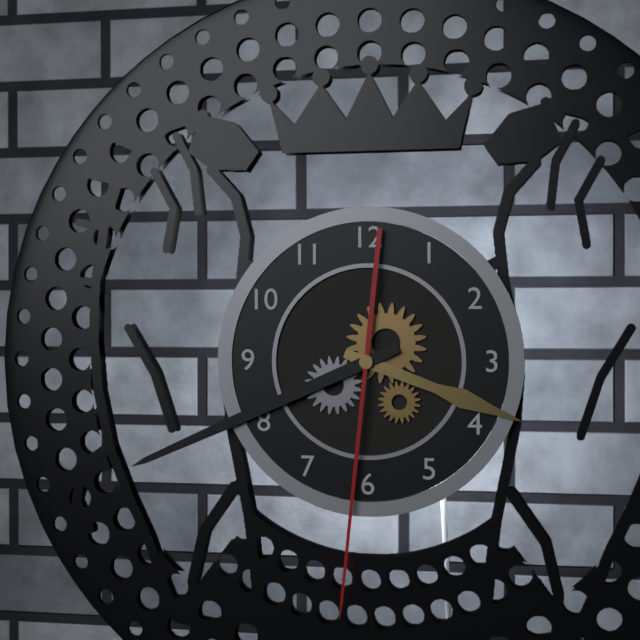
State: 3 h 41 min 31 s
